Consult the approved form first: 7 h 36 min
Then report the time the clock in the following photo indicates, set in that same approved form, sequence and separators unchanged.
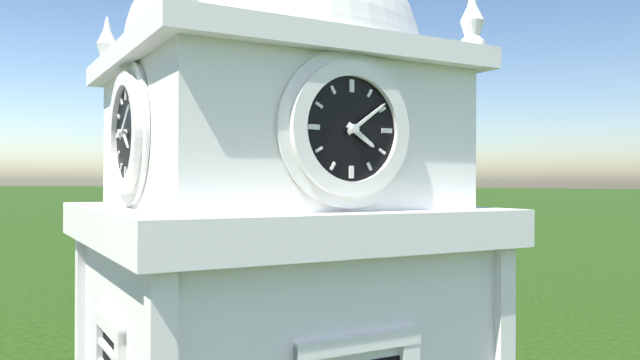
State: 4 h 09 min
